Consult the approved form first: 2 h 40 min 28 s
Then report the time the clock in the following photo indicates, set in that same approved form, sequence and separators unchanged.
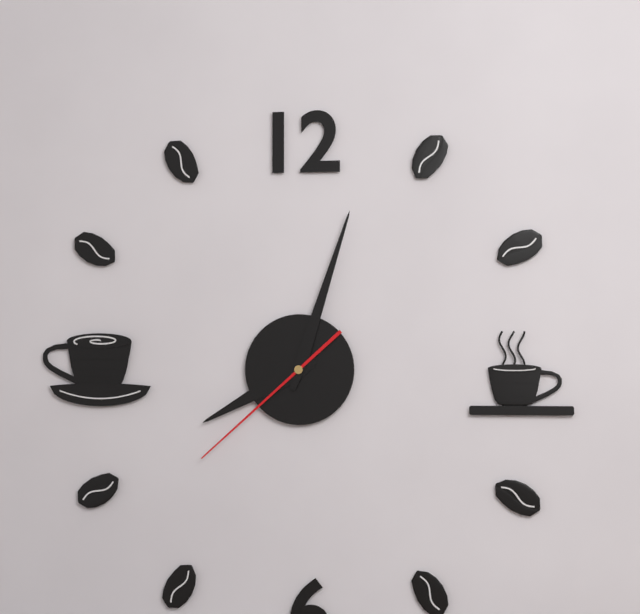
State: 8 h 03 min 38 s
